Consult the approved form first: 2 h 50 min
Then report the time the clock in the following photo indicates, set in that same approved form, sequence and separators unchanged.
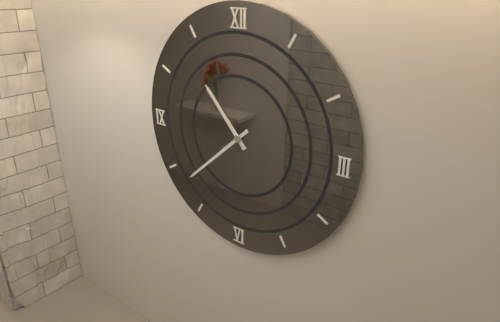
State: 10 h 38 min
